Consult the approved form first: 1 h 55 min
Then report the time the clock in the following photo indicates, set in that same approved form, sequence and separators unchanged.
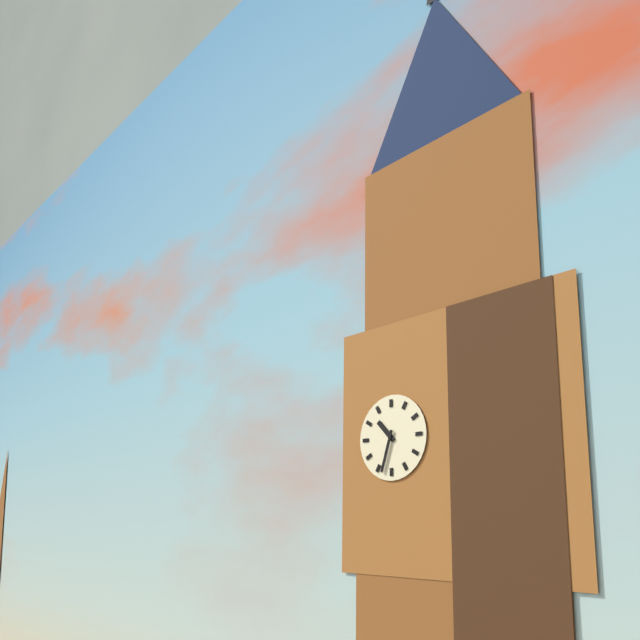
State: 10 h 33 min
